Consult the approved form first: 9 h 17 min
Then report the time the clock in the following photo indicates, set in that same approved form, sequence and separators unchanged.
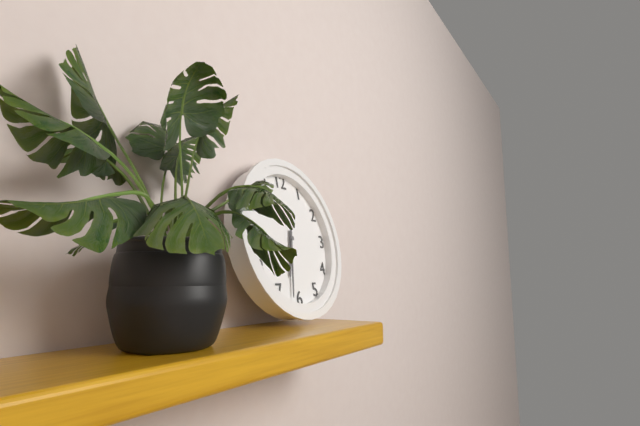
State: 6 h 32 min
